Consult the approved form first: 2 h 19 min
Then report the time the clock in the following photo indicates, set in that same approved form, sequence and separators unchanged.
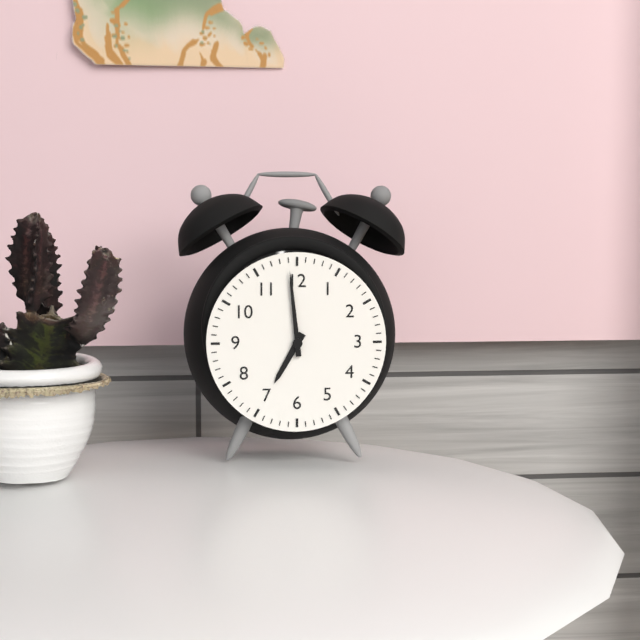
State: 6 h 59 min
